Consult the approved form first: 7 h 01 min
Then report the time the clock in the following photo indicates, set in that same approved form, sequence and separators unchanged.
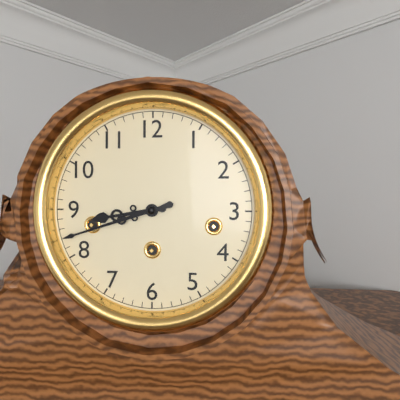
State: 8 h 42 min
